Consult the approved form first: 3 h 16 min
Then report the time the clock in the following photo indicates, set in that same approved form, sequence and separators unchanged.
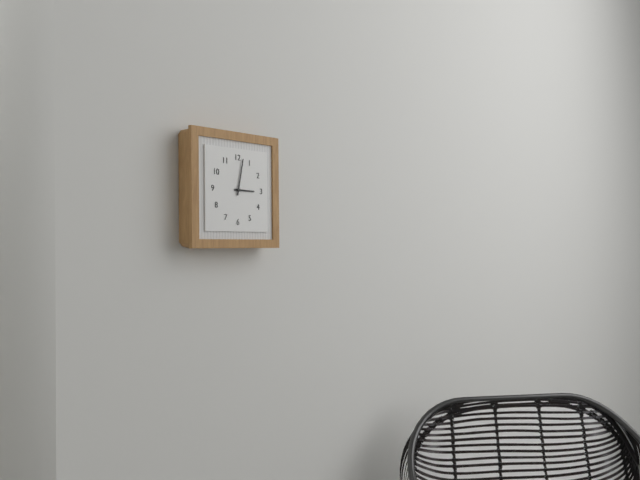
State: 3 h 02 min
